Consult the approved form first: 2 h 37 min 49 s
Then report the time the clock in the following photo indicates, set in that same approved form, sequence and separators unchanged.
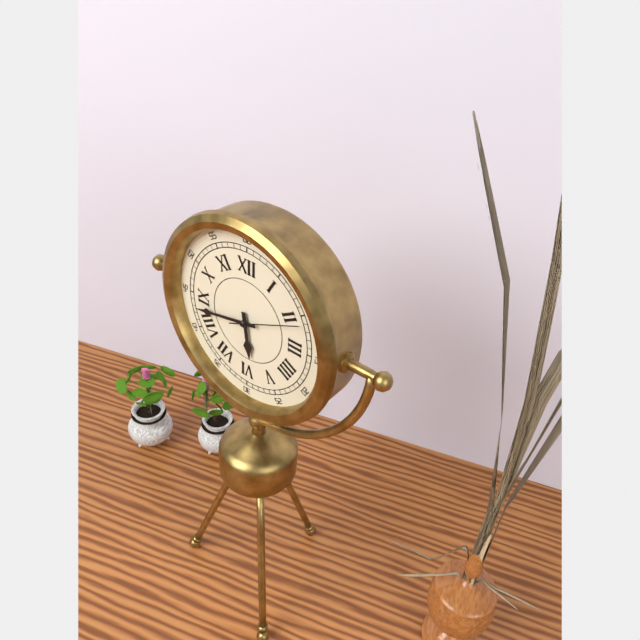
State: 5 h 43 min 11 s
